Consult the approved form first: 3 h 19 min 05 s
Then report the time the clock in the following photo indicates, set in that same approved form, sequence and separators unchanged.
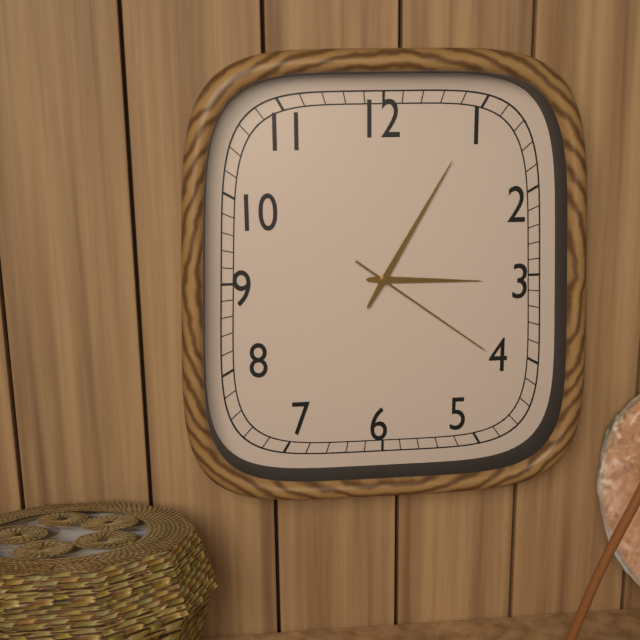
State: 3 h 05 min 21 s
